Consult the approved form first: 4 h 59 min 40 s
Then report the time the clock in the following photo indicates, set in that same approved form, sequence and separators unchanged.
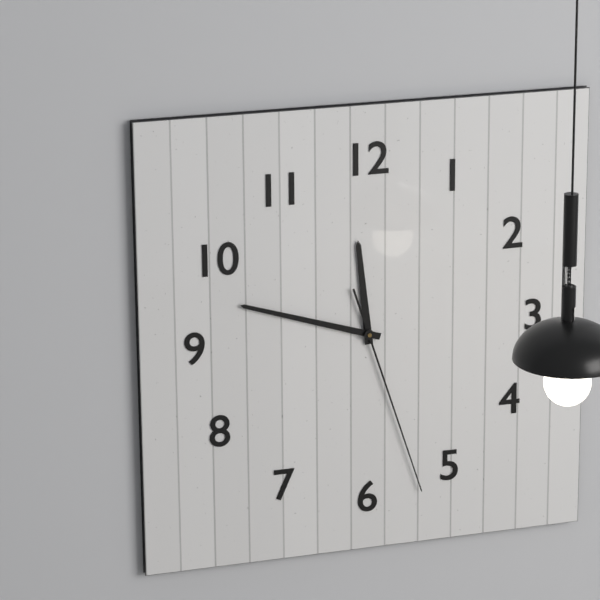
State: 11 h 48 min 27 s
